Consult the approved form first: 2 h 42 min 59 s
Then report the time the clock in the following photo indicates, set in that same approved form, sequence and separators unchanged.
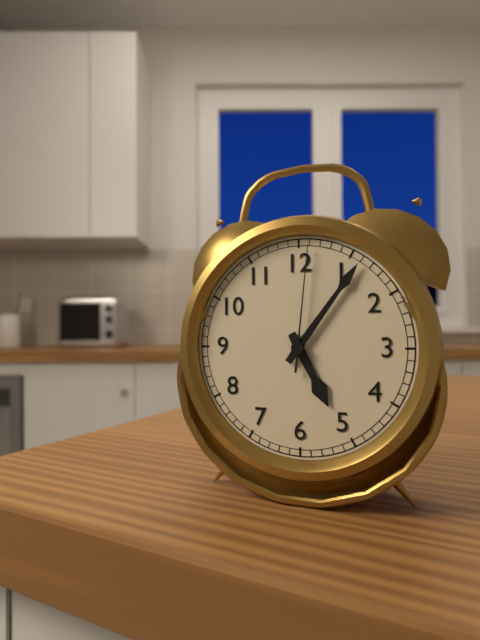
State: 5 h 06 min 01 s
